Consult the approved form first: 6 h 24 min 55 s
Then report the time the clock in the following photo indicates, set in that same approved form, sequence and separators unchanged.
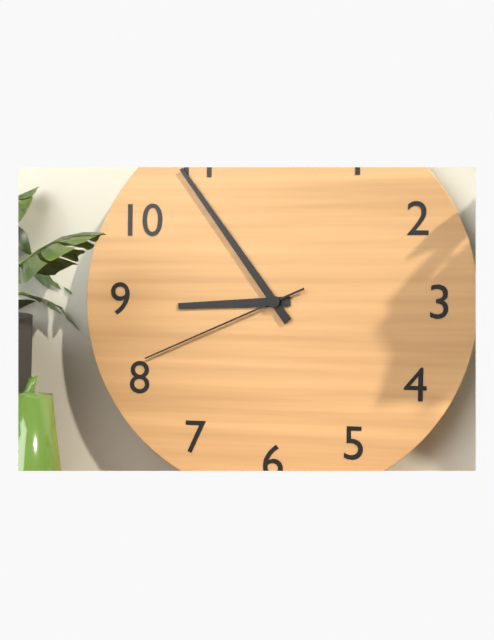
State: 8 h 54 min 41 s
